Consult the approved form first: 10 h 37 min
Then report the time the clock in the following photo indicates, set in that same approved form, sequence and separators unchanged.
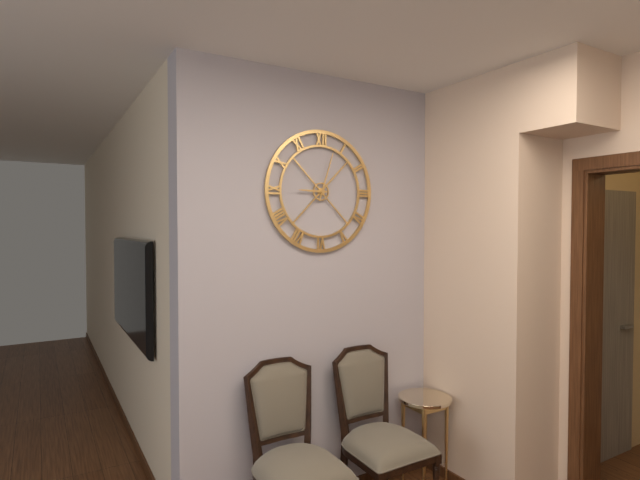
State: 9 h 03 min
